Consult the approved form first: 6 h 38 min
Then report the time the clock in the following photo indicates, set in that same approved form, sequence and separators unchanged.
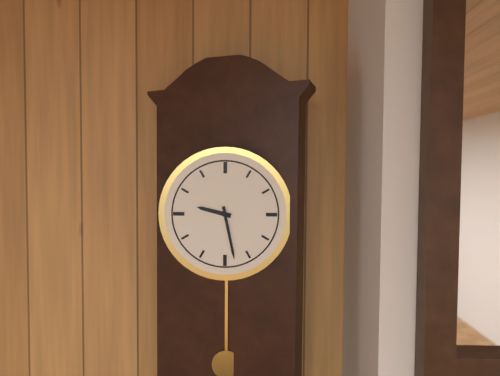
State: 9 h 28 min
